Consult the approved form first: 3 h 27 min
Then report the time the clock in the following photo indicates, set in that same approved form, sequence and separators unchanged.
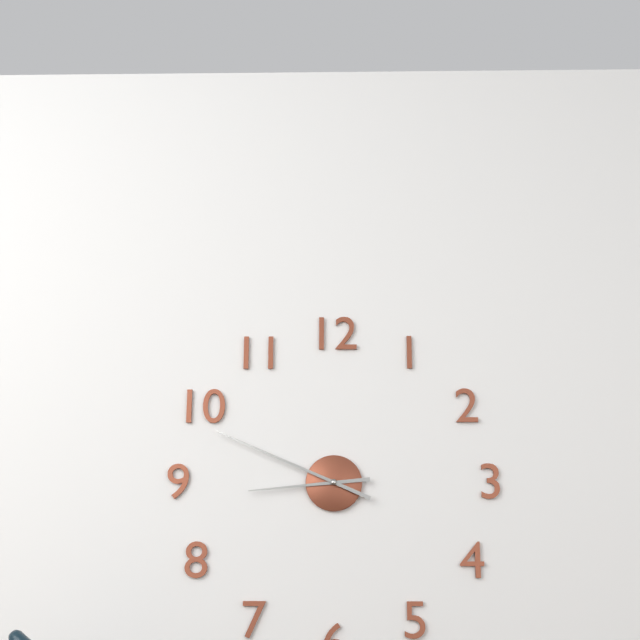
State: 8 h 49 min
